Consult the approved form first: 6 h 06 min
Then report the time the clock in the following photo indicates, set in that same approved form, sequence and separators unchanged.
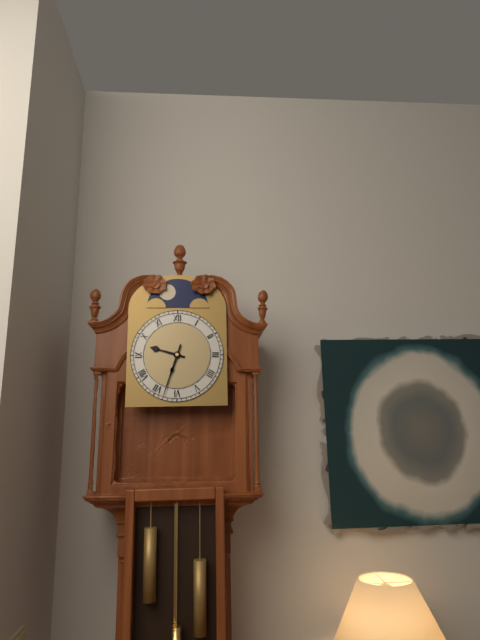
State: 9 h 33 min
